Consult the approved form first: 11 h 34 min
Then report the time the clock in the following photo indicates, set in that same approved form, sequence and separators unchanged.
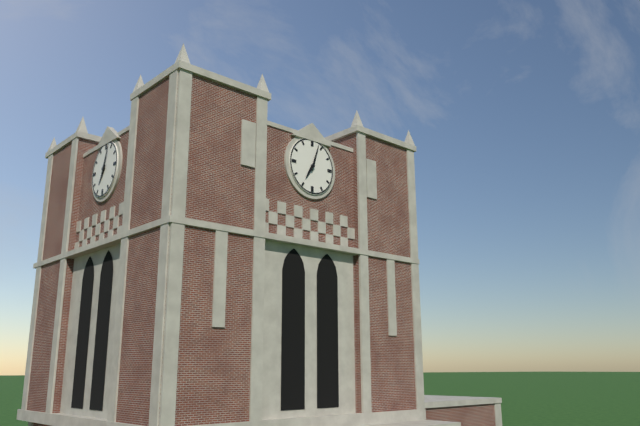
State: 7 h 03 min
